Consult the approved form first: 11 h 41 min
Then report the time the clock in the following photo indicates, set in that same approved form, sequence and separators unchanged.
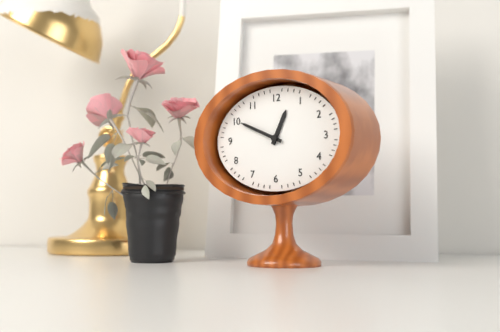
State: 12 h 49 min
